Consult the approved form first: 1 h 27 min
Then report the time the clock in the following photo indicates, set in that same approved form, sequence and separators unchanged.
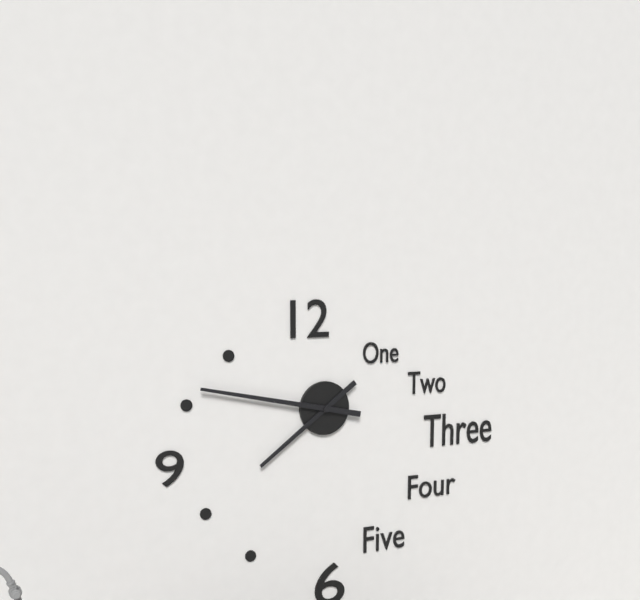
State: 7 h 47 min
